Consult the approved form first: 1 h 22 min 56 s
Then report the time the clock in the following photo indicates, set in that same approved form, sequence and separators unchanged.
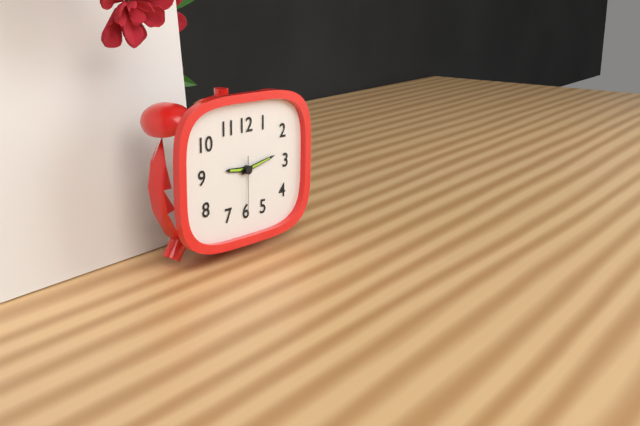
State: 9 h 13 min 30 s
